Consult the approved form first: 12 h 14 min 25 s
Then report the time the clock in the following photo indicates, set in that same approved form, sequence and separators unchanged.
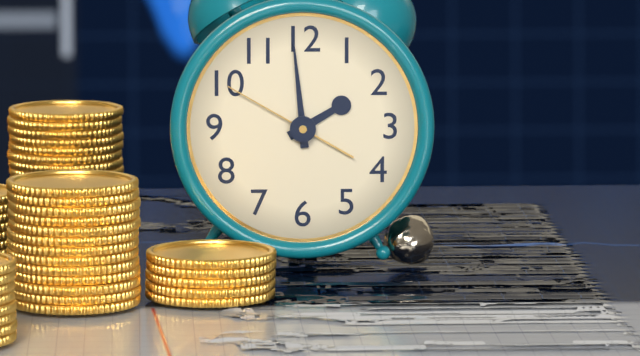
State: 1 h 59 min 50 s
